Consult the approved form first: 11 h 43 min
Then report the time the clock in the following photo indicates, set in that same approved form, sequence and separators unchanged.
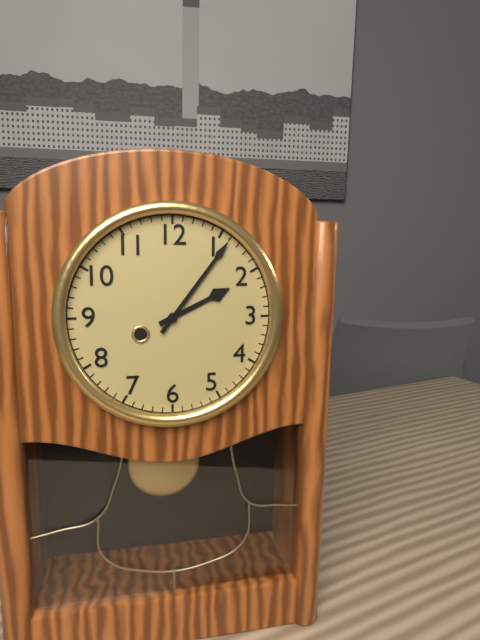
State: 2 h 06 min
